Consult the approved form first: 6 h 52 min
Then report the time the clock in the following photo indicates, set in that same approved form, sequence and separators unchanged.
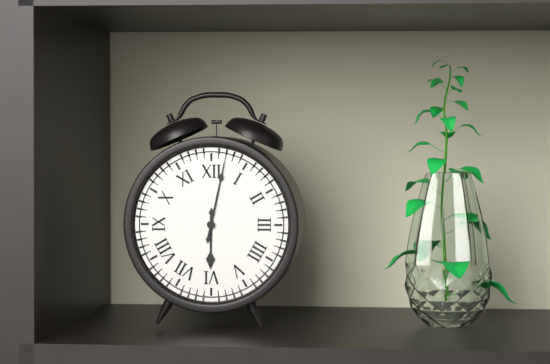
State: 6 h 02 min
